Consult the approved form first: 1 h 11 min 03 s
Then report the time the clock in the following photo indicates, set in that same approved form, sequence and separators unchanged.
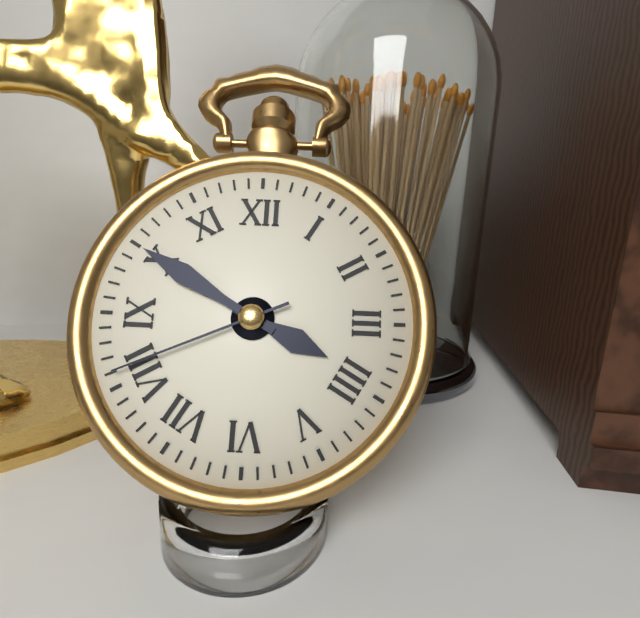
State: 3 h 50 min 41 s
